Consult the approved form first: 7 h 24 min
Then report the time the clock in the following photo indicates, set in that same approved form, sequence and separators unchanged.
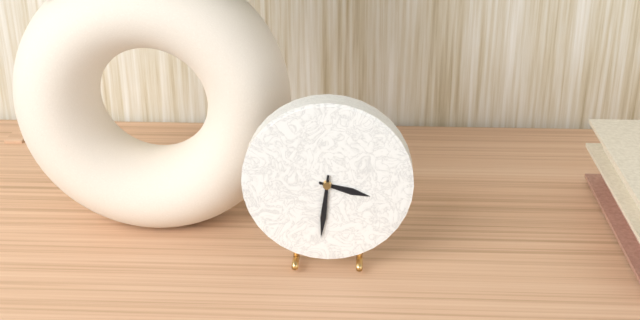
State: 3 h 31 min
